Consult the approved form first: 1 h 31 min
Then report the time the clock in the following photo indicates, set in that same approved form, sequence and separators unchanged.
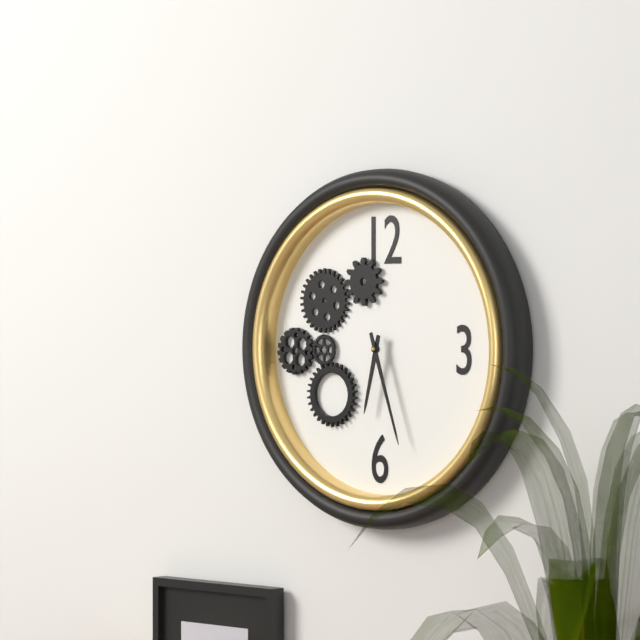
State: 6 h 27 min
